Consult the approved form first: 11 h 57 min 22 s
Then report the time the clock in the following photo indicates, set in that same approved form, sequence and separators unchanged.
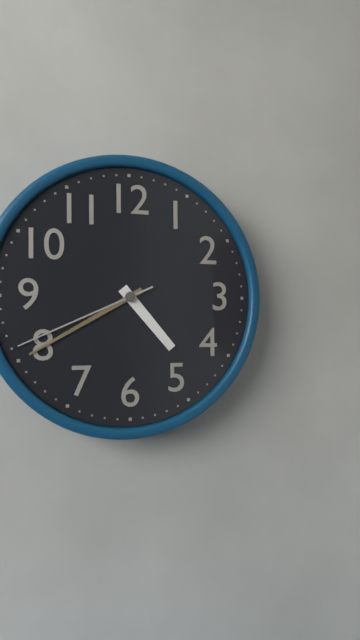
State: 4 h 40 min 41 s
